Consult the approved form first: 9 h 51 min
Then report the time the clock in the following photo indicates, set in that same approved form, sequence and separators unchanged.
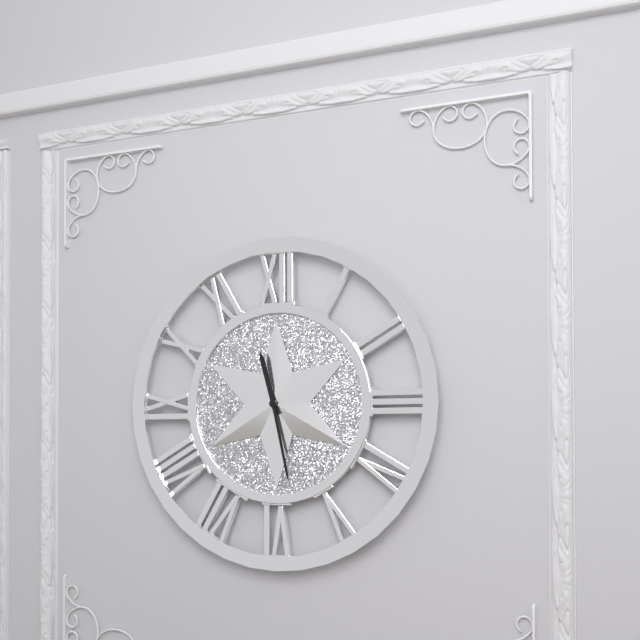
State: 11 h 28 min
